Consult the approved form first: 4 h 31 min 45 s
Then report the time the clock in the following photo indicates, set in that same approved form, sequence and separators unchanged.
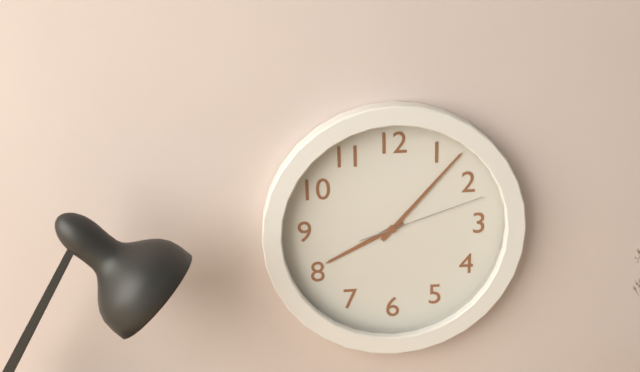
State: 8 h 07 min 12 s
